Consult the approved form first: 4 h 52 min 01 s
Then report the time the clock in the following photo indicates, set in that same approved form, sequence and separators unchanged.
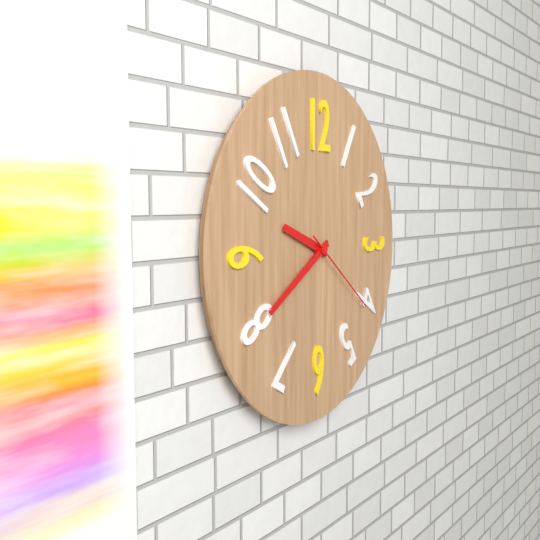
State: 9 h 40 min 21 s
